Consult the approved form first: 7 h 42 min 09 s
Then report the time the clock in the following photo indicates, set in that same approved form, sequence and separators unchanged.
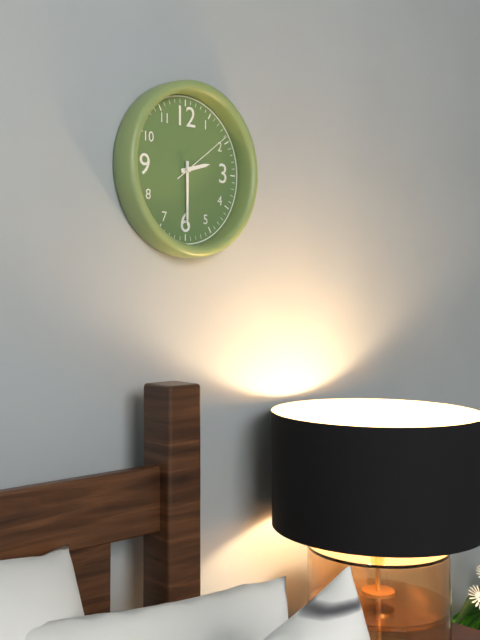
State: 2 h 30 min 09 s
